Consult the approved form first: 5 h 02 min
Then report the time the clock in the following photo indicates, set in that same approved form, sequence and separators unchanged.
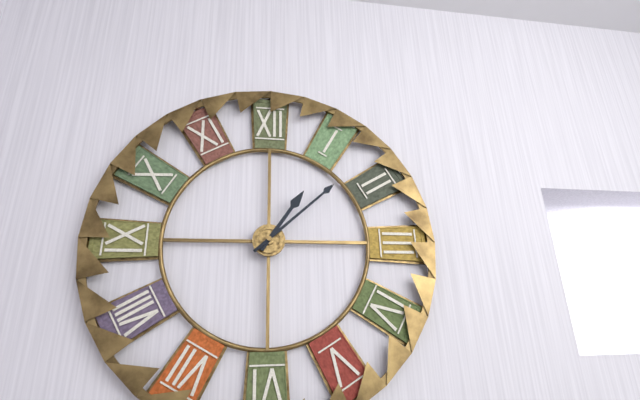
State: 1 h 08 min
